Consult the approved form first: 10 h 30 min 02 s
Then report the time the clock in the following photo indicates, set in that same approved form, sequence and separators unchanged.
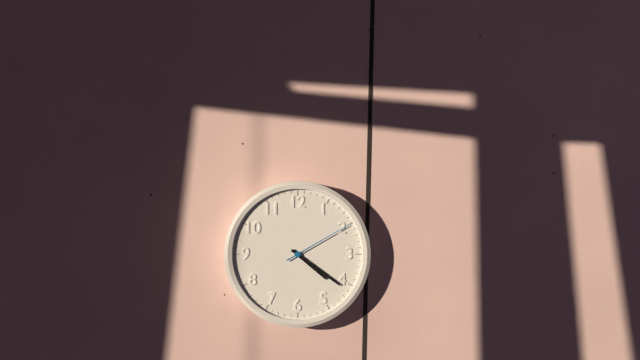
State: 4 h 21 min 10 s
